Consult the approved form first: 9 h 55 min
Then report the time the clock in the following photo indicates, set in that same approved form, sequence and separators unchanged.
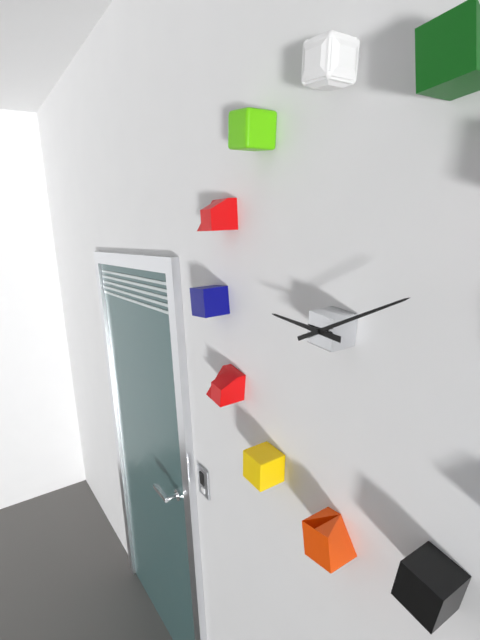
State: 9 h 11 min
